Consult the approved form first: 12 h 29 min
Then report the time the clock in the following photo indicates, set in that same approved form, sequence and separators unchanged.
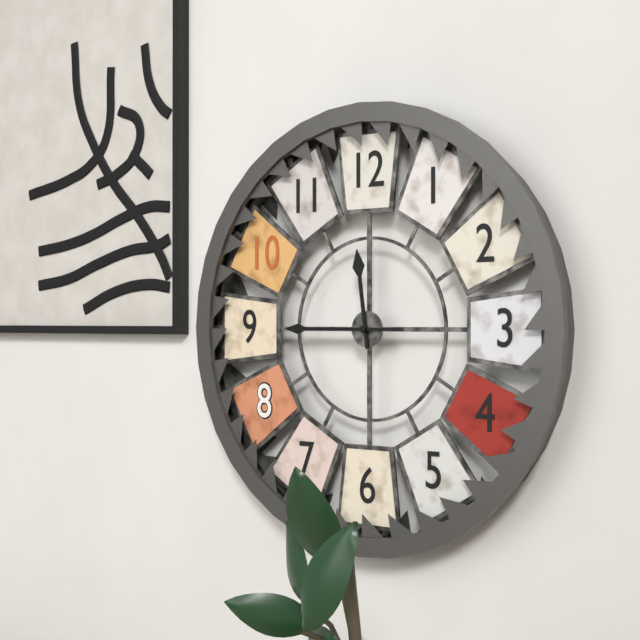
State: 11 h 45 min
